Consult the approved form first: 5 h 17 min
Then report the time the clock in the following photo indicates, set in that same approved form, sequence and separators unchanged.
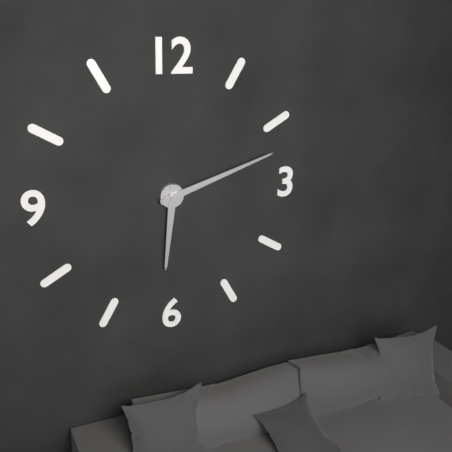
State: 6 h 12 min
